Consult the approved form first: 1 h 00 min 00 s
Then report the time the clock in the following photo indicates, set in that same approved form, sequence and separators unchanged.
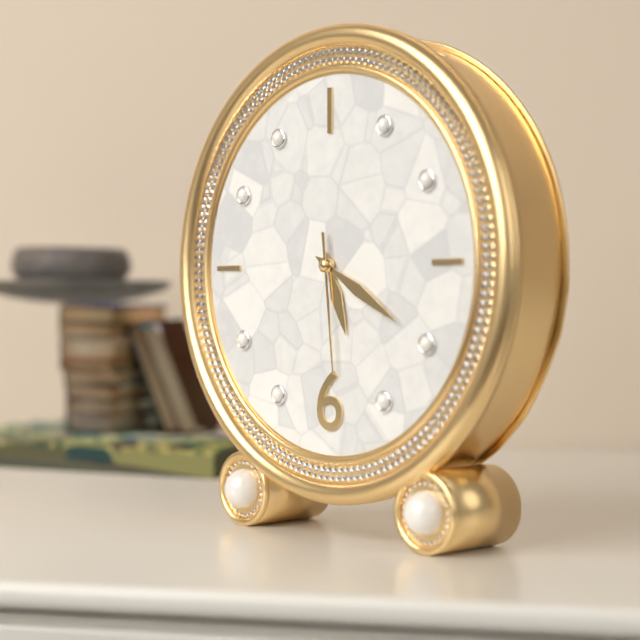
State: 5 h 20 min 29 s
